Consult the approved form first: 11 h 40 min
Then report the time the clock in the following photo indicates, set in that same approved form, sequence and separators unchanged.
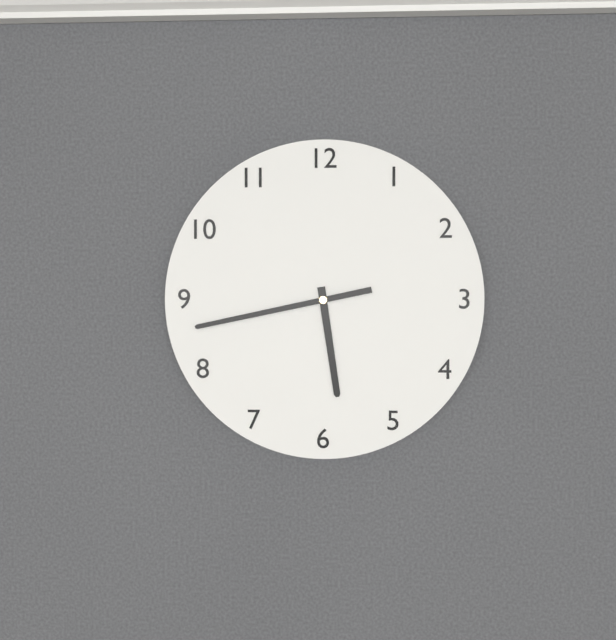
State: 5 h 43 min
